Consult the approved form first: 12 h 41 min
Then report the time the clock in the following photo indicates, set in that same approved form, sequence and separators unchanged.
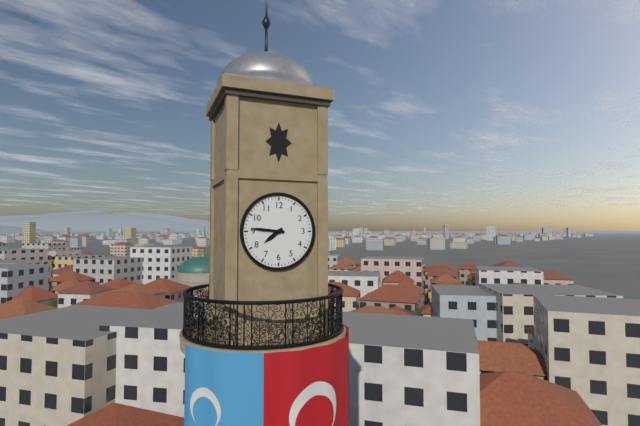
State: 7 h 46 min
